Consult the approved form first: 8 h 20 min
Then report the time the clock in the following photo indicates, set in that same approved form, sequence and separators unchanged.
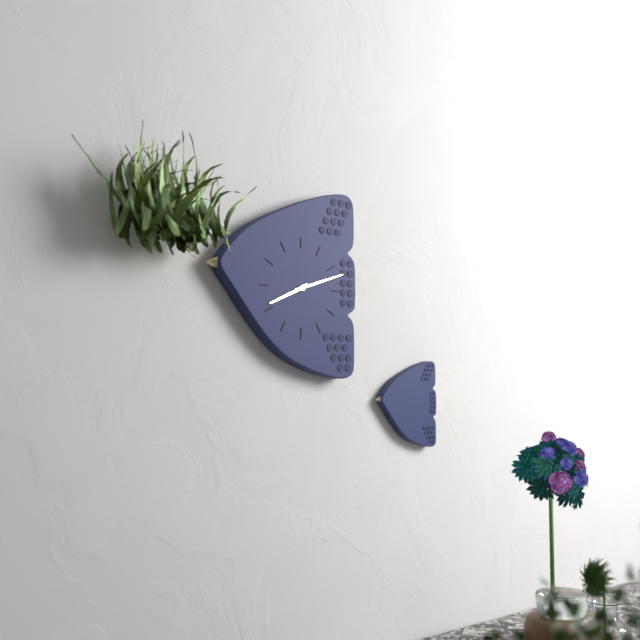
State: 8 h 12 min
